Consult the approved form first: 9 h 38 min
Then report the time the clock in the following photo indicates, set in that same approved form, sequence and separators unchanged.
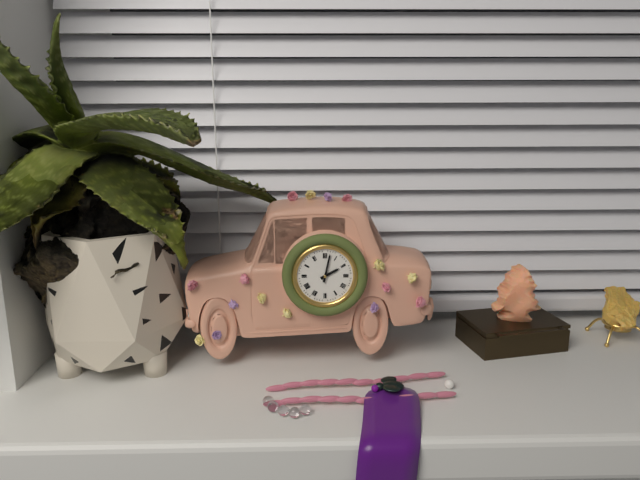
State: 2 h 02 min
